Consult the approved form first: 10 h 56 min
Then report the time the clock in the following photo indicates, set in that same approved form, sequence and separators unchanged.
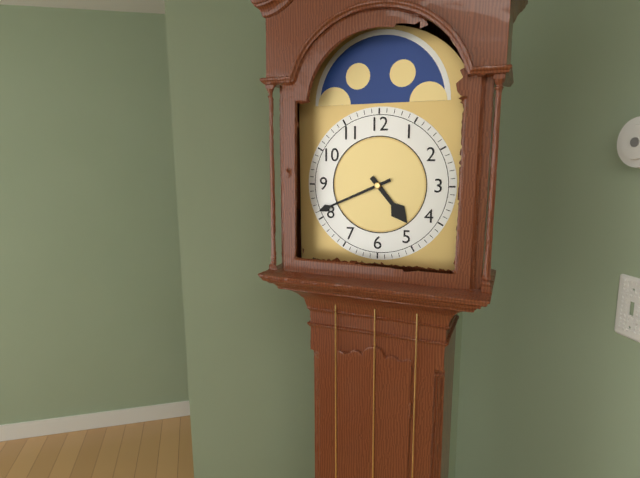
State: 4 h 41 min
